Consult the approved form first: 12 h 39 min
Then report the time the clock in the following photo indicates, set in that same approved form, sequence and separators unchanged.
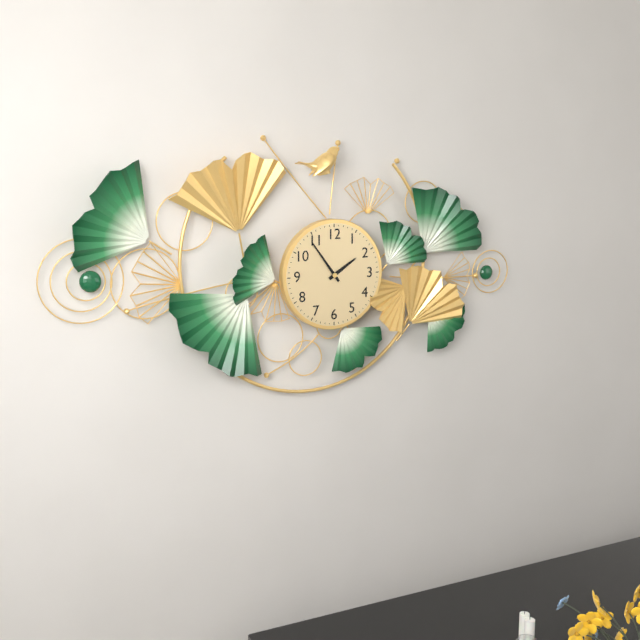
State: 1 h 54 min
